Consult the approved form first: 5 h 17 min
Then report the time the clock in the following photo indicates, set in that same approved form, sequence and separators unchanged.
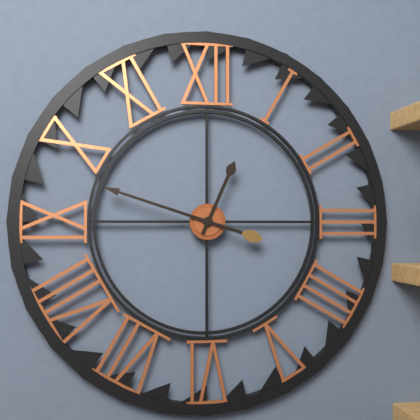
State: 12 h 48 min
